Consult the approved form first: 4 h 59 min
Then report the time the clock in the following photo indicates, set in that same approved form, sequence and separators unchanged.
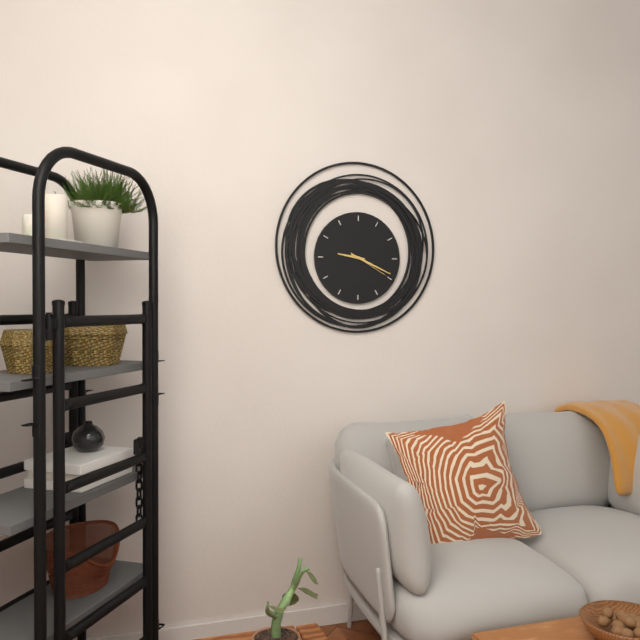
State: 9 h 19 min
